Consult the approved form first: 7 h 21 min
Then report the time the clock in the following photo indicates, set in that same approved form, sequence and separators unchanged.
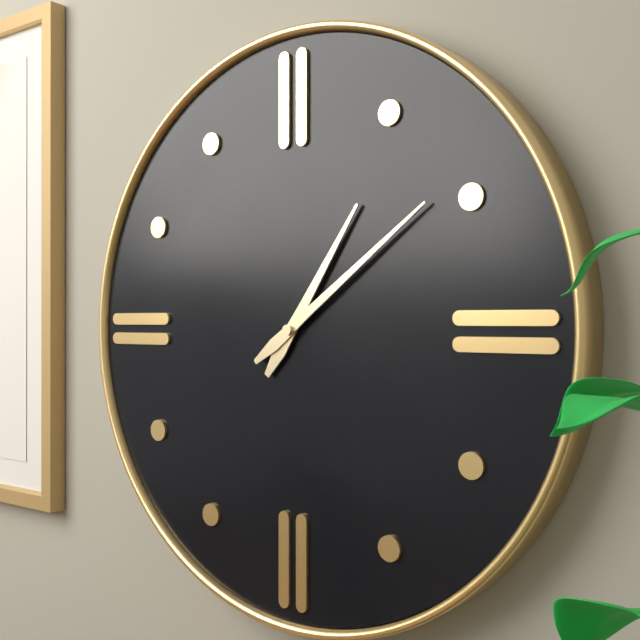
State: 1 h 09 min
